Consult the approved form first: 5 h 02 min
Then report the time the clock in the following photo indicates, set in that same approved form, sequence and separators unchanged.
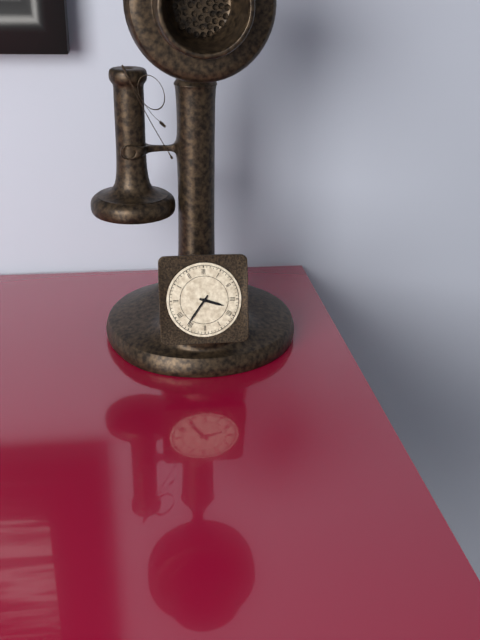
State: 3 h 36 min
